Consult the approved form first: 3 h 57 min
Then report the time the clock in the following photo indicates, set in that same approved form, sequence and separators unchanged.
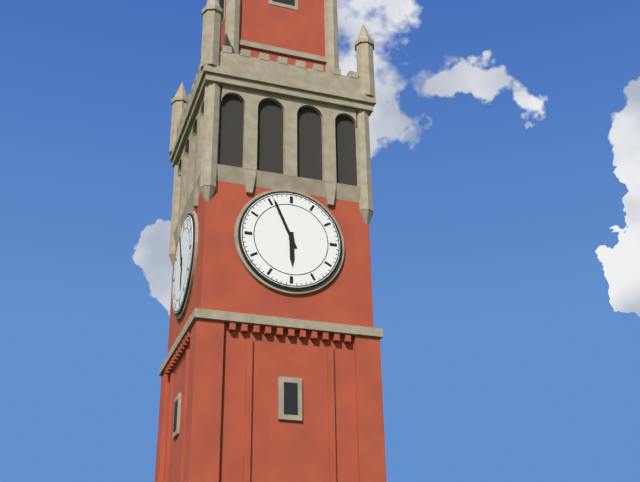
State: 5 h 56 min
